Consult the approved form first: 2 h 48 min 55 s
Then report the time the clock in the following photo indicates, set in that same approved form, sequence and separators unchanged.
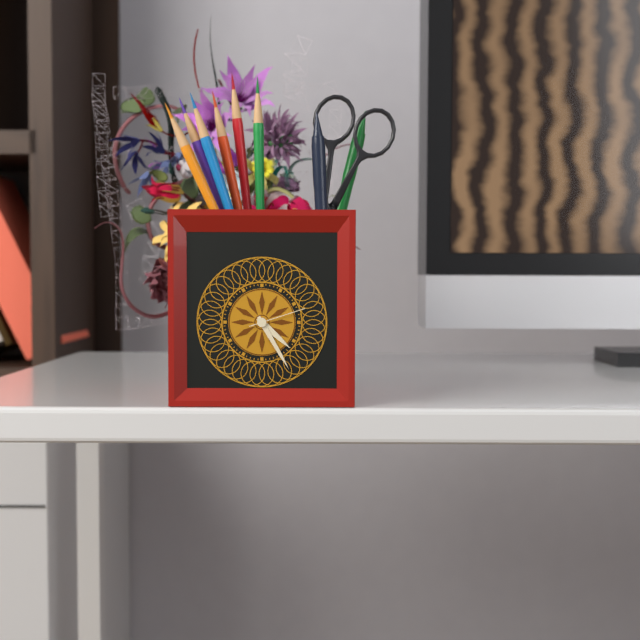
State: 4 h 25 min 12 s
